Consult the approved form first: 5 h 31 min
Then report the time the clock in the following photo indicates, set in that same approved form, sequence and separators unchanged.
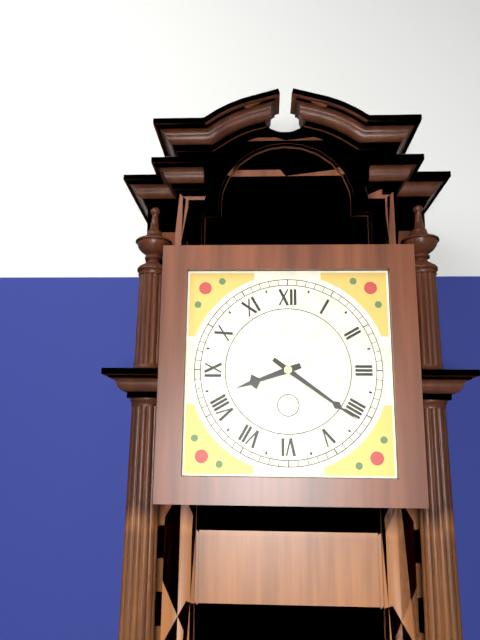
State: 8 h 21 min
